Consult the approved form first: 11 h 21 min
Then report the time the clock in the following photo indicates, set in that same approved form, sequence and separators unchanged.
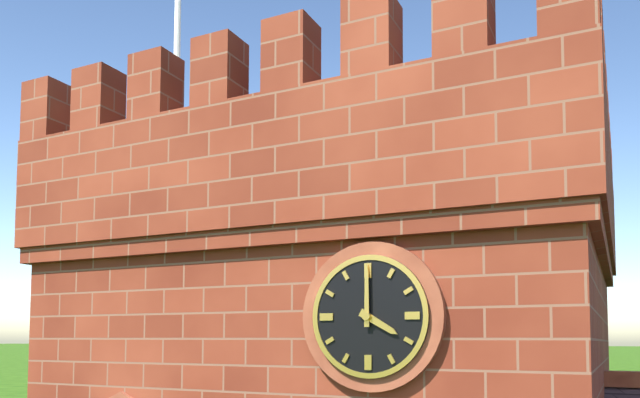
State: 4 h 00 min
